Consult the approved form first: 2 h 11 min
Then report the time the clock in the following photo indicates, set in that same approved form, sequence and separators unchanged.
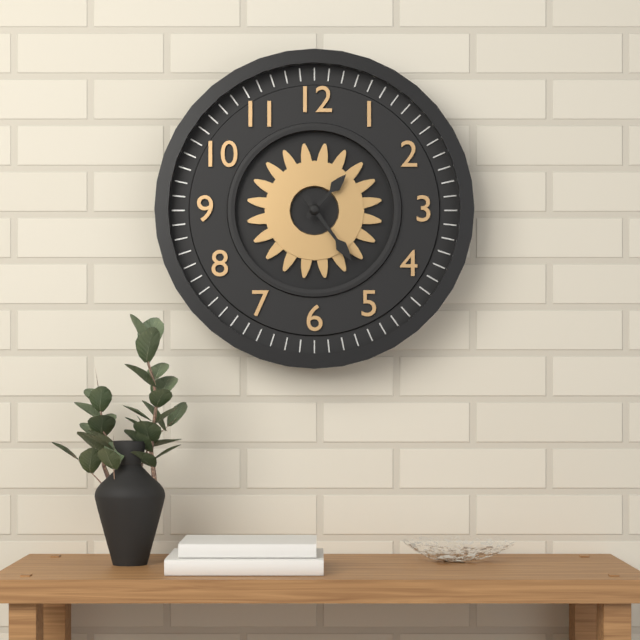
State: 1 h 24 min
